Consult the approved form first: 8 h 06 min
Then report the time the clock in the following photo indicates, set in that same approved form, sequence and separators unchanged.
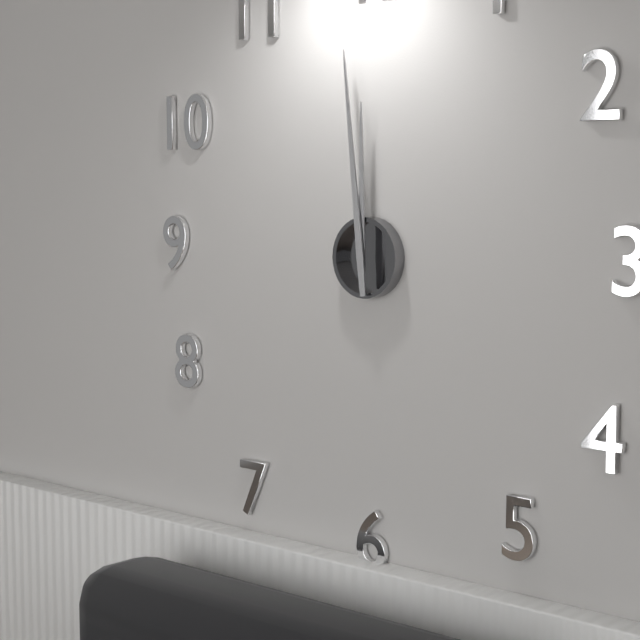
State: 11 h 59 min
